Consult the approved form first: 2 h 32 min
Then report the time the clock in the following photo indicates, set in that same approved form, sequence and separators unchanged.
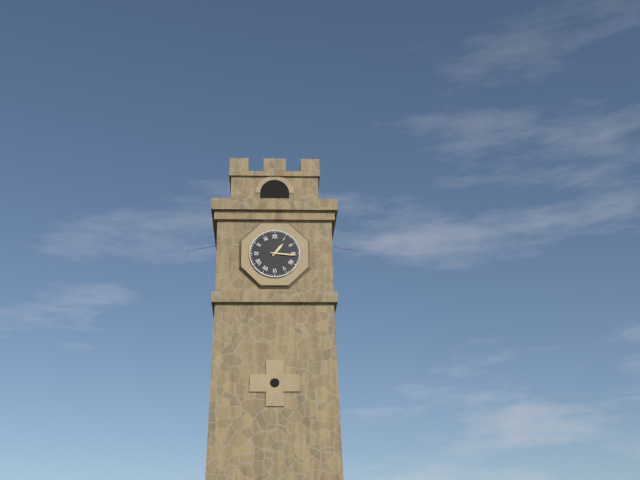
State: 1 h 16 min
